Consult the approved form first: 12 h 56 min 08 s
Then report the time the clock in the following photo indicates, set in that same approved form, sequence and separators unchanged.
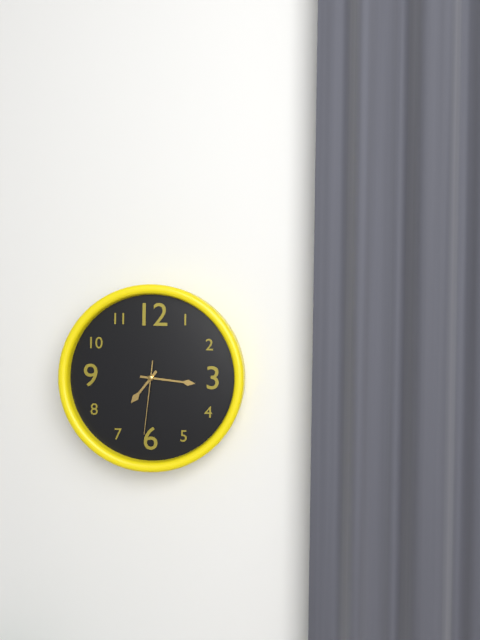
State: 7 h 16 min 31 s
